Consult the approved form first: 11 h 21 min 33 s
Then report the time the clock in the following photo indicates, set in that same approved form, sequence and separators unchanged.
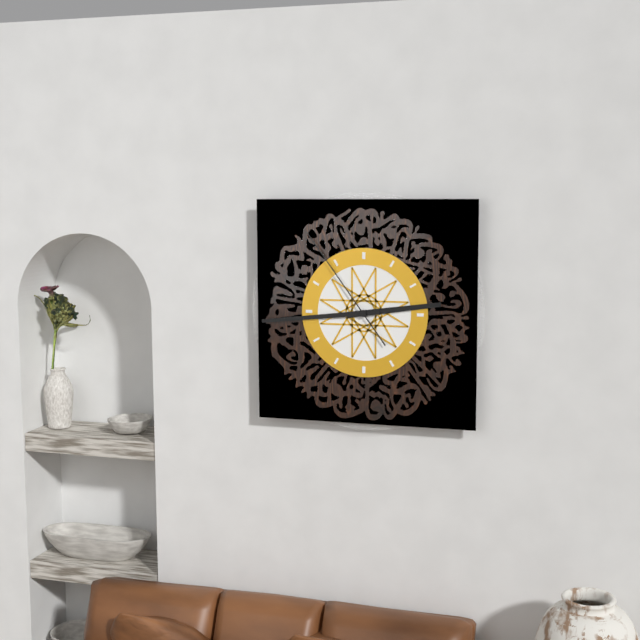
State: 2 h 44 min 54 s
